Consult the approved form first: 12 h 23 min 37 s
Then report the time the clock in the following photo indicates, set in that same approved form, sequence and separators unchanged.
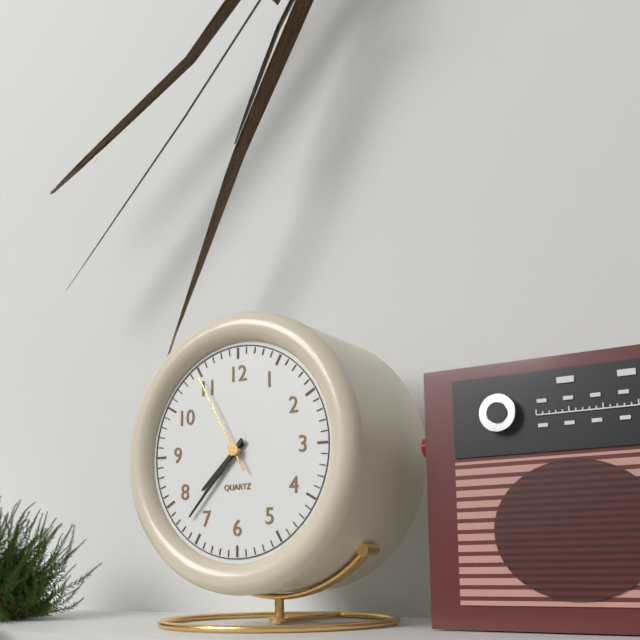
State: 7 h 37 min 55 s
